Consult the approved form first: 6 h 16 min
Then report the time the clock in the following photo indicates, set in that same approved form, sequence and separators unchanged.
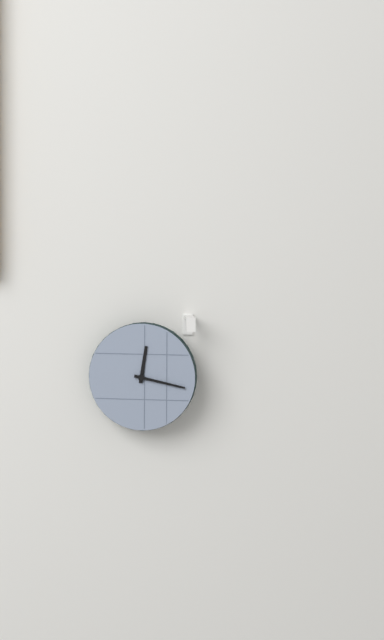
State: 12 h 17 min
